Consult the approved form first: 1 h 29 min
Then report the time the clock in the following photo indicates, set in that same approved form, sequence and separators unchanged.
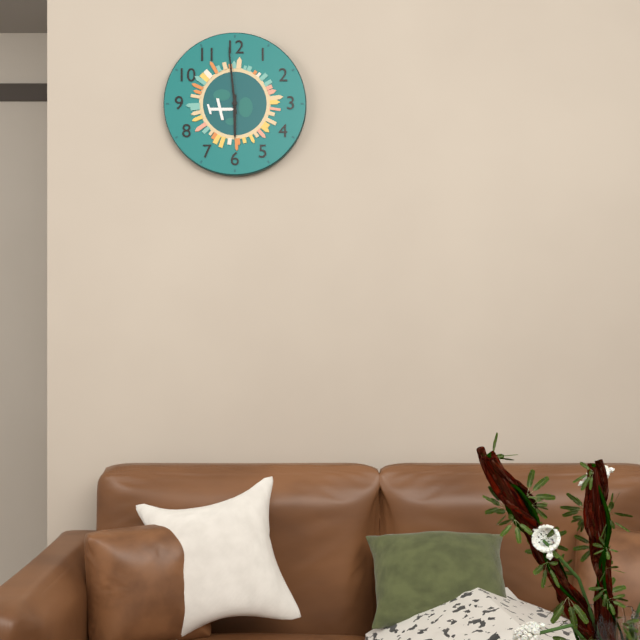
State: 5 h 59 min
